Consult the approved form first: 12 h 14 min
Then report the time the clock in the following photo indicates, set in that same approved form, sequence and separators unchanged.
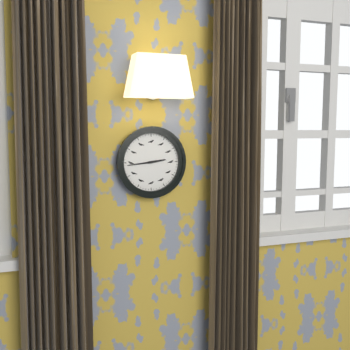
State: 2 h 44 min
